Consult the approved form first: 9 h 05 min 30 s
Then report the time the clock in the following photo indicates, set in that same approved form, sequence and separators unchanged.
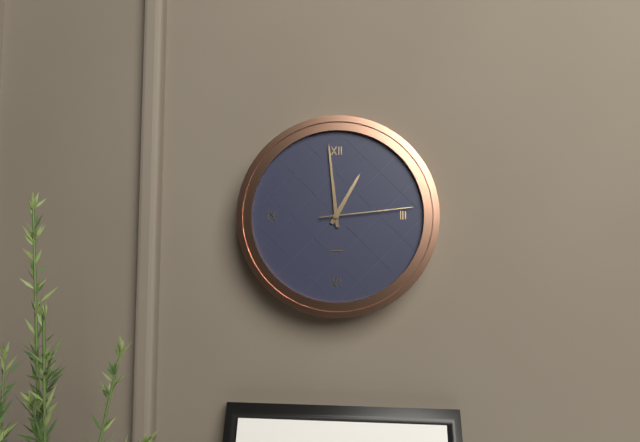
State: 12 h 59 min 14 s
